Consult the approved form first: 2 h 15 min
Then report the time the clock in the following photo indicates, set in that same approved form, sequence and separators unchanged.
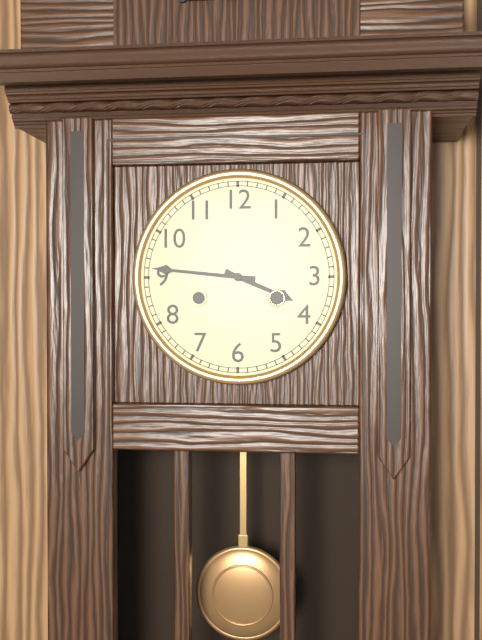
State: 3 h 46 min
